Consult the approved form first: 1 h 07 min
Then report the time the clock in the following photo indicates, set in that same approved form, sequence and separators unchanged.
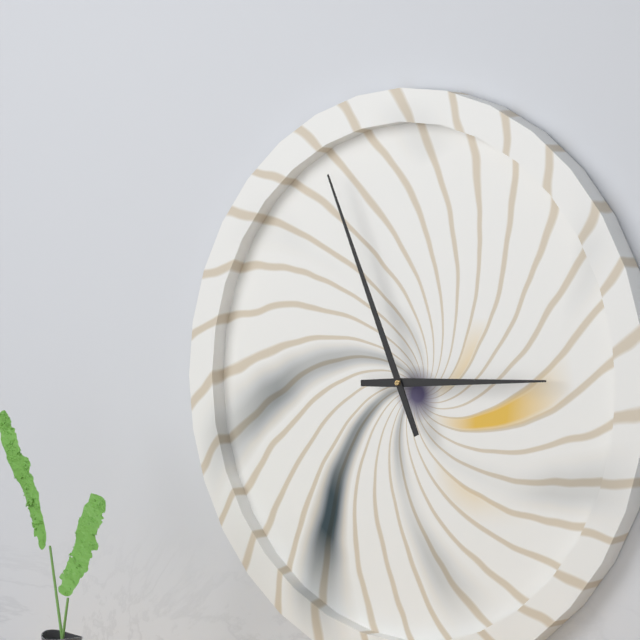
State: 2 h 56 min
